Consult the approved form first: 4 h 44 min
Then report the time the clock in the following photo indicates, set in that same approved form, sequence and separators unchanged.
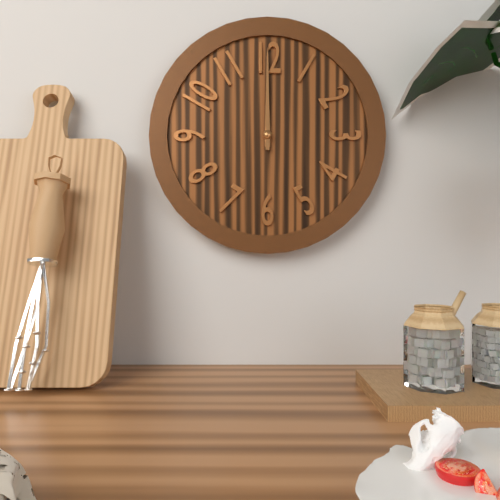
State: 12 h 00 min
